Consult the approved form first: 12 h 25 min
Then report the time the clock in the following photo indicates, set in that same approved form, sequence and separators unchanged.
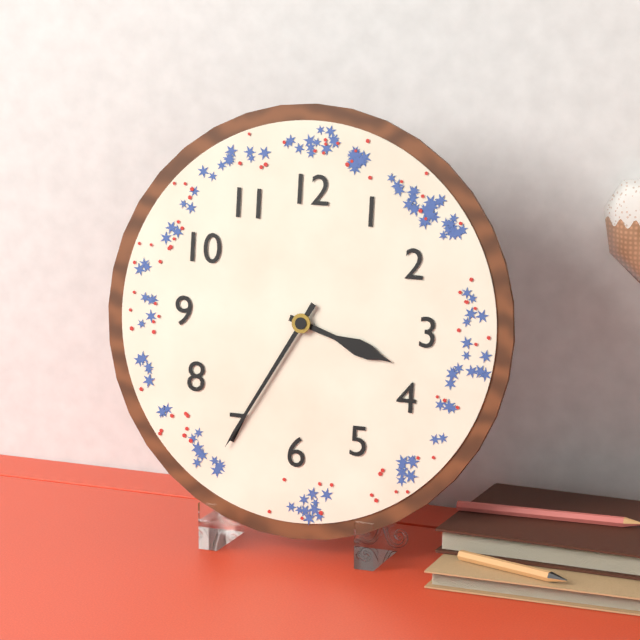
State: 3 h 35 min
